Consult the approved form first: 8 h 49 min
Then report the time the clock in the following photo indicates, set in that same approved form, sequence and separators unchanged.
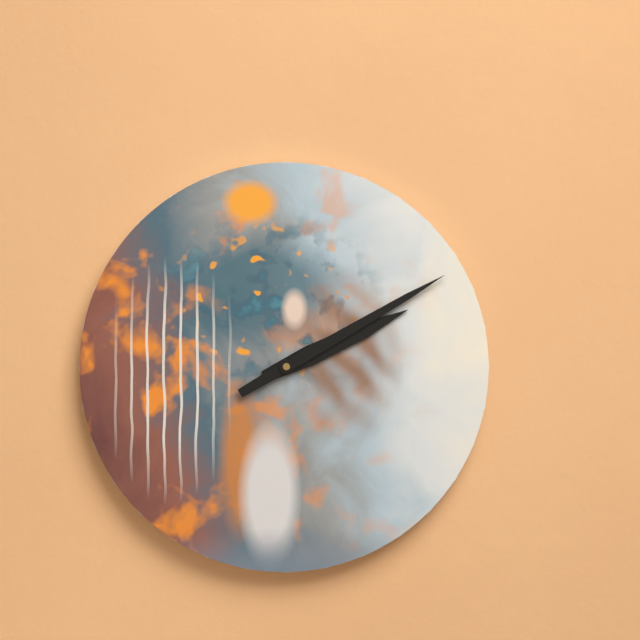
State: 2 h 10 min
